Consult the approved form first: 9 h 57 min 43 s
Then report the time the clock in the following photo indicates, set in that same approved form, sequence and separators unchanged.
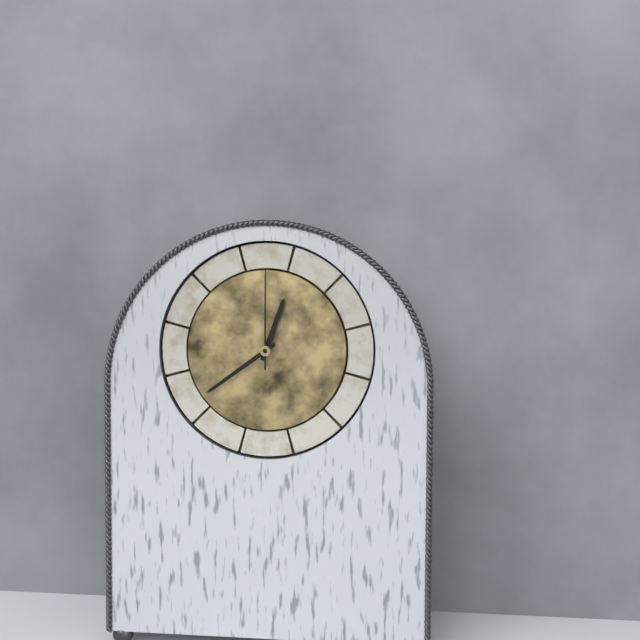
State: 12 h 39 min 00 s
